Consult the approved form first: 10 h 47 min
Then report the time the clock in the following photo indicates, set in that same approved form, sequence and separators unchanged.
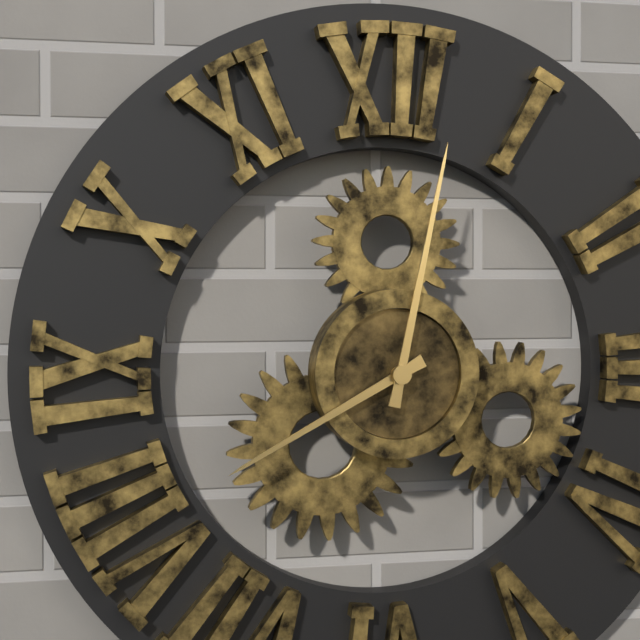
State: 8 h 02 min
